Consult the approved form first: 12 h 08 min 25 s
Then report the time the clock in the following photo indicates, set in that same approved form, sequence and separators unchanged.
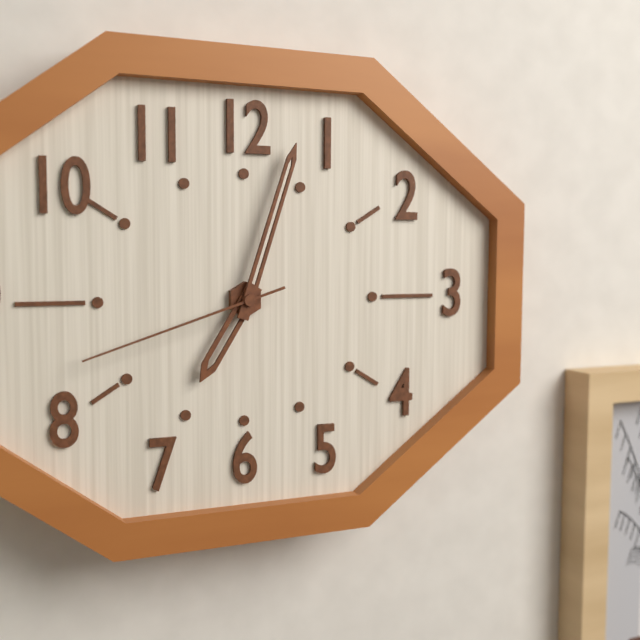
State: 7 h 03 min 42 s
